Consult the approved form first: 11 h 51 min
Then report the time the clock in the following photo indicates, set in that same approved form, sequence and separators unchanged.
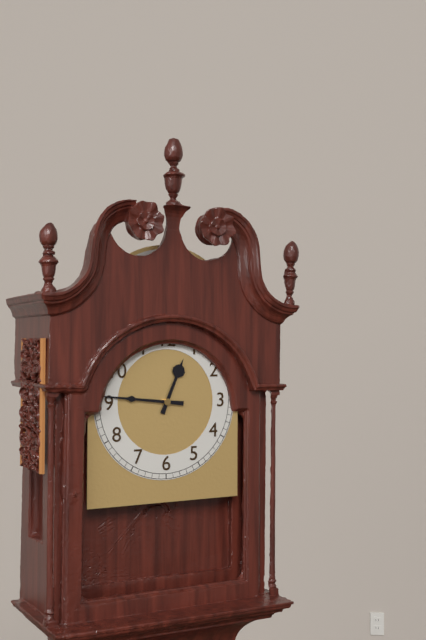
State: 12 h 46 min
